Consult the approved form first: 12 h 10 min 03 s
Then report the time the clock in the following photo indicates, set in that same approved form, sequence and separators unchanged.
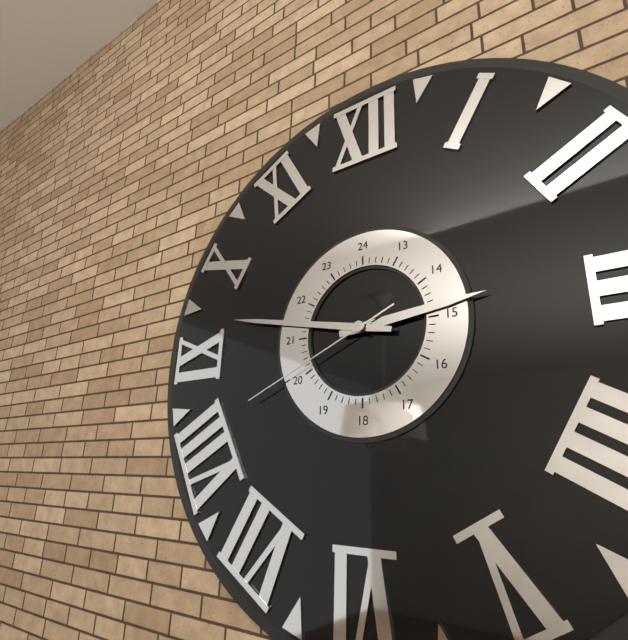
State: 2 h 47 min 41 s
